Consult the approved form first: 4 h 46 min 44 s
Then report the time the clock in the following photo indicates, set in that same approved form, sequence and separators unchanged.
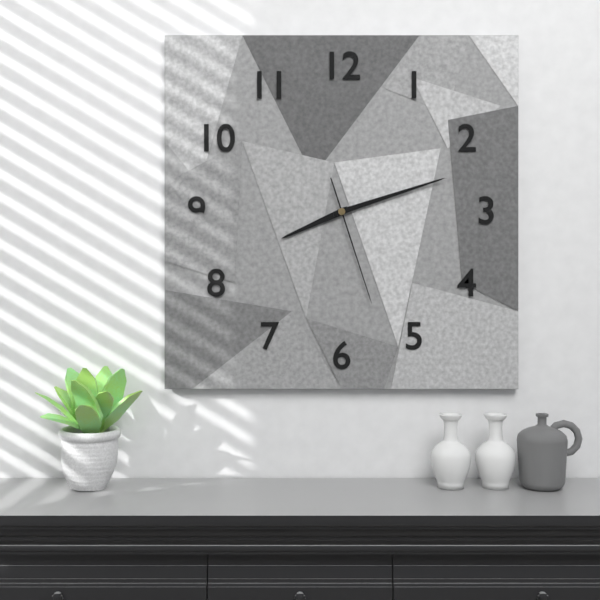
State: 8 h 12 min 27 s
